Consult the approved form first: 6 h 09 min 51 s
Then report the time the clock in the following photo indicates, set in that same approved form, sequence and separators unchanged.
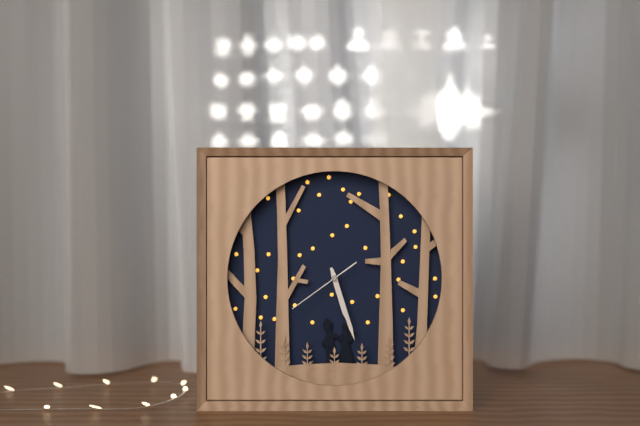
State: 5 h 27 min 39 s
